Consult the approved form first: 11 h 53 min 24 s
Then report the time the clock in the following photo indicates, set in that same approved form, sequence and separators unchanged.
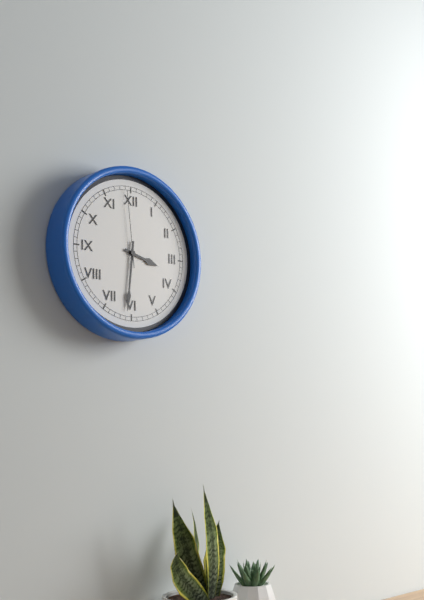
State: 3 h 31 min 59 s
